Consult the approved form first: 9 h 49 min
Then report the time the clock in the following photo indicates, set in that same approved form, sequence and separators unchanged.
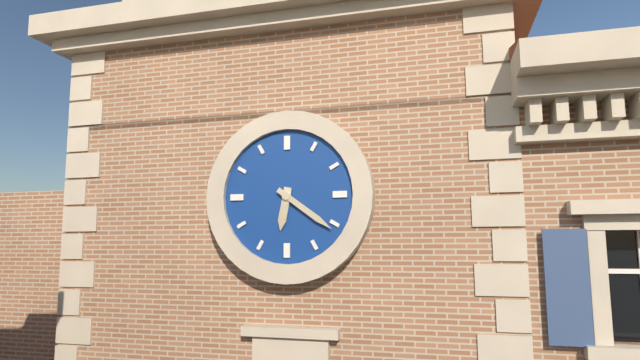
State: 6 h 21 min
